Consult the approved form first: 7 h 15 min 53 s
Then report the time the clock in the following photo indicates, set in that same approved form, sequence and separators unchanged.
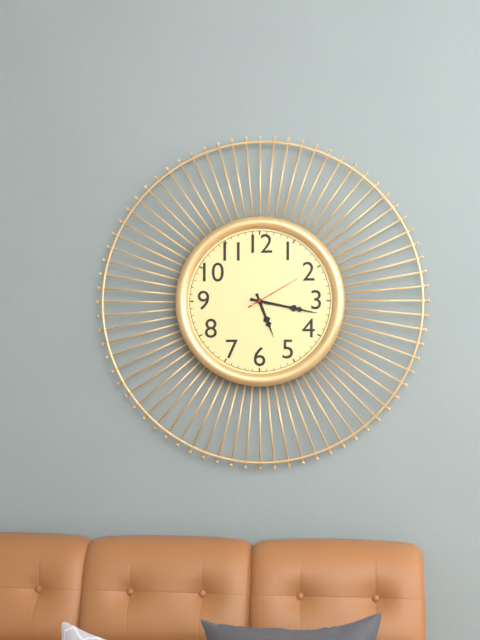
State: 5 h 17 min 10 s
